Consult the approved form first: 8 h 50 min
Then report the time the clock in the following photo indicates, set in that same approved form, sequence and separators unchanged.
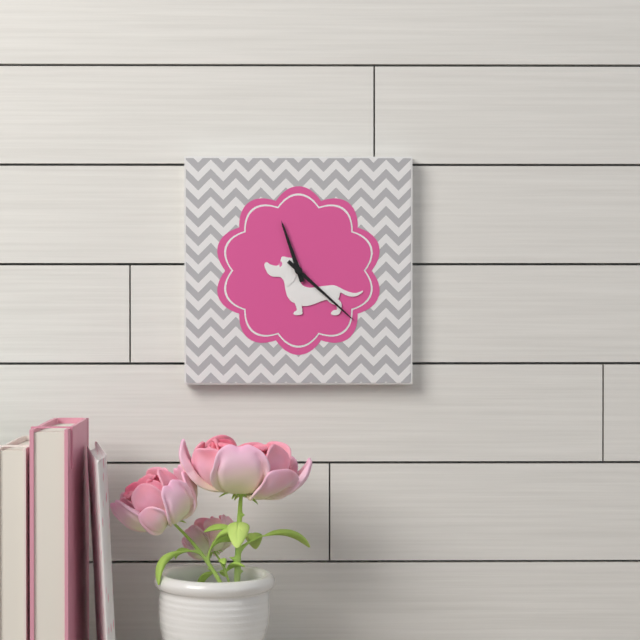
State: 11 h 22 min
